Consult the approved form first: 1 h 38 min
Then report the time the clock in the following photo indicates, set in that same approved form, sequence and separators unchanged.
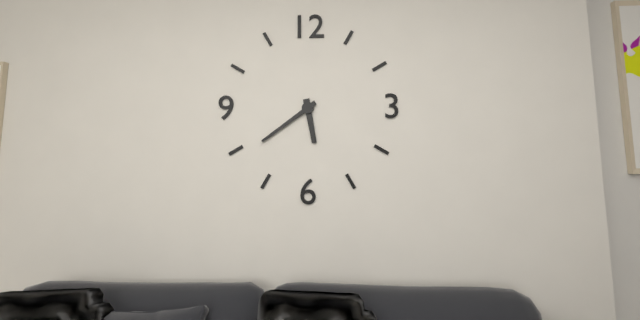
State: 5 h 39 min
